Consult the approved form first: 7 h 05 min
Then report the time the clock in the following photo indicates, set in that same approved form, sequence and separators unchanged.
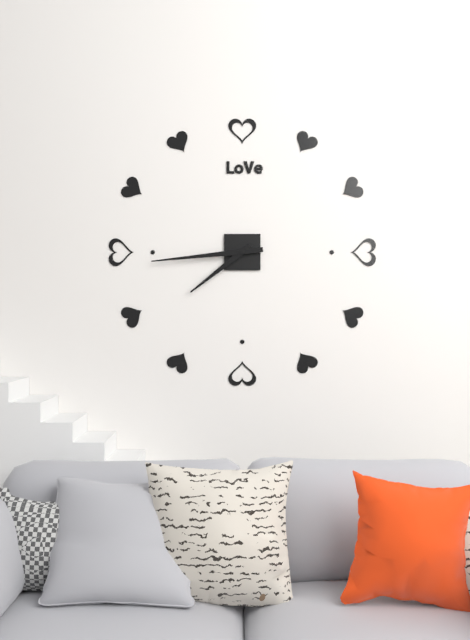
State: 7 h 44 min
